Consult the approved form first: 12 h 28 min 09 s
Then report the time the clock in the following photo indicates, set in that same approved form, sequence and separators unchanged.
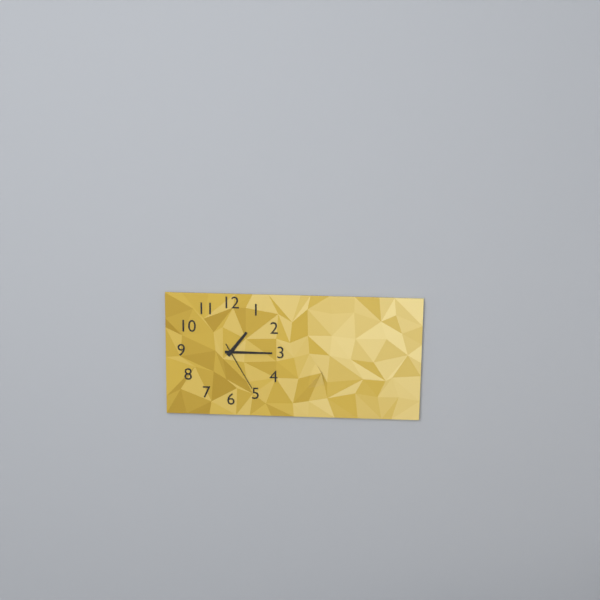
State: 1 h 15 min 25 s
